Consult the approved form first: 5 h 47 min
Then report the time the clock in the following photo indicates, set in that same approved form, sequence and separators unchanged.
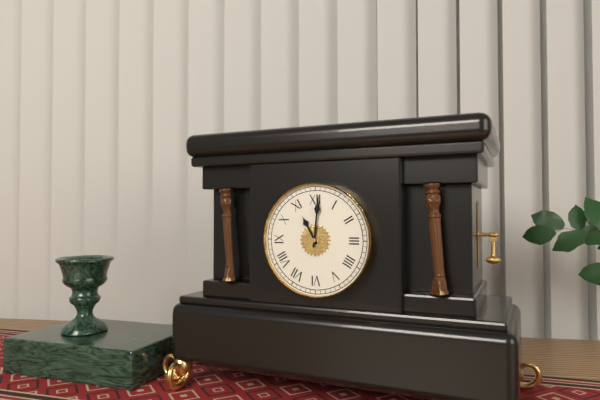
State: 11 h 01 min
